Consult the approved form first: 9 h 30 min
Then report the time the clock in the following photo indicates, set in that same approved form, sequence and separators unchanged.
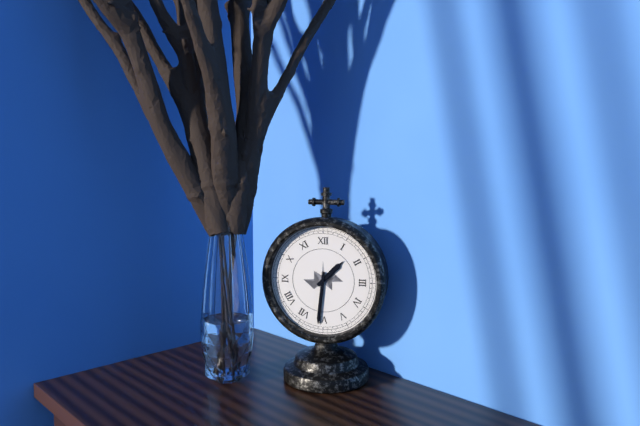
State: 1 h 31 min
